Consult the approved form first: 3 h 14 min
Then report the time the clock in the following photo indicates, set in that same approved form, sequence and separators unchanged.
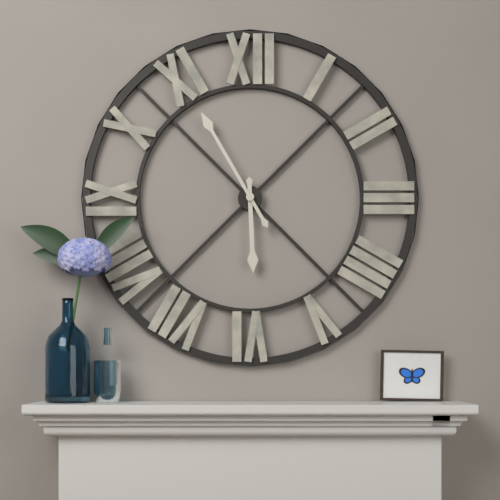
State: 5 h 55 min
